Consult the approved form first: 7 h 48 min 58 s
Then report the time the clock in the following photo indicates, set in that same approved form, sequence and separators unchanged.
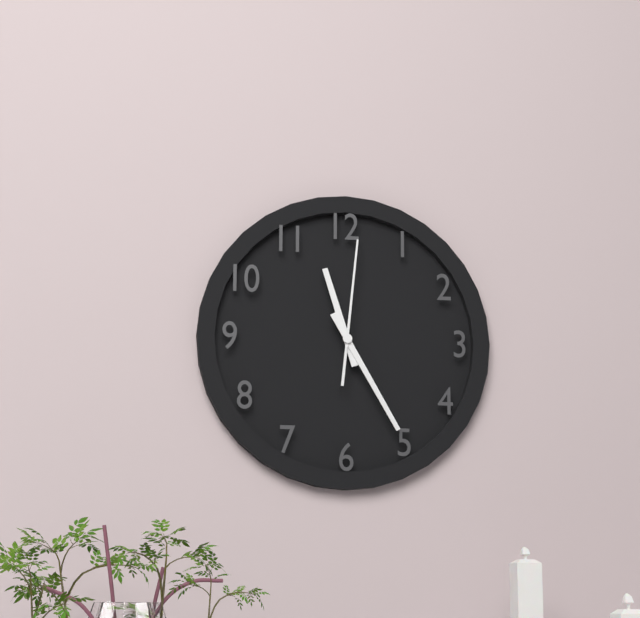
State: 11 h 25 min 01 s
